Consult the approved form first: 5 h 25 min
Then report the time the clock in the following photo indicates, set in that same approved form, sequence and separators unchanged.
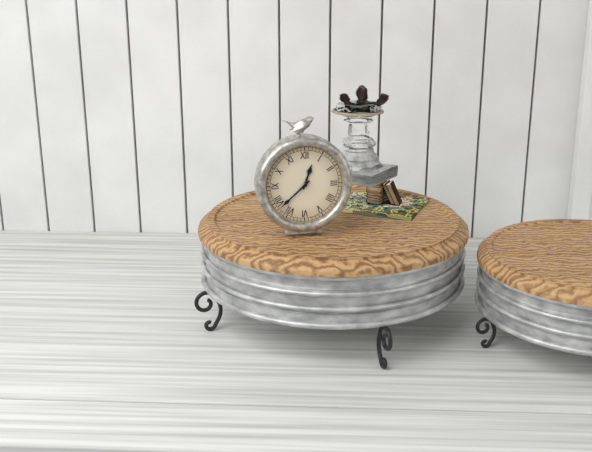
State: 12 h 38 min
